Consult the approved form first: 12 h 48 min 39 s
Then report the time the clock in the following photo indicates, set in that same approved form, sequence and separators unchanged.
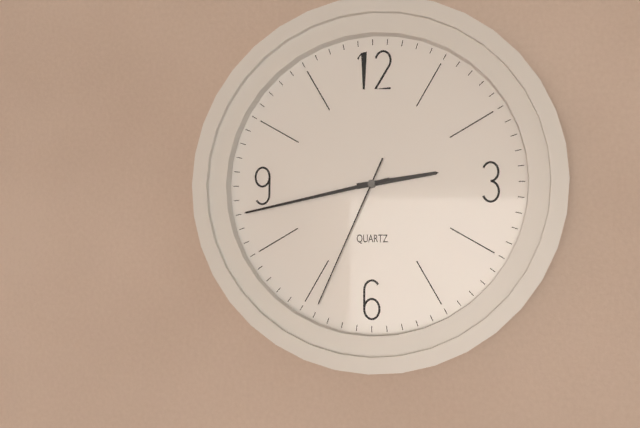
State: 2 h 43 min 34 s
